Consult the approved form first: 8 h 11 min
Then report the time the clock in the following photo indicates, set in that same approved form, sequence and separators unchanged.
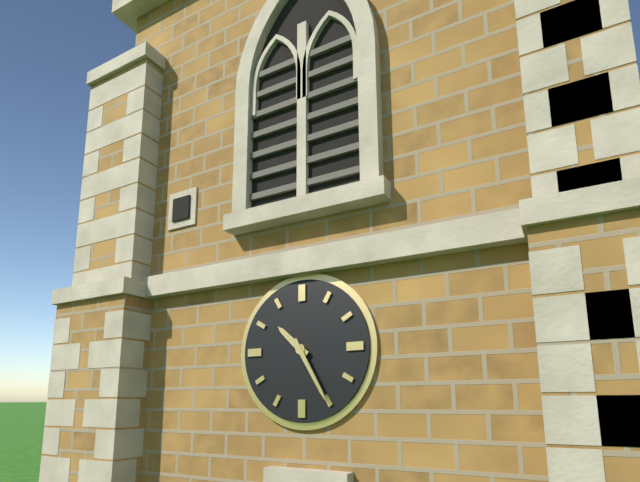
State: 10 h 25 min
